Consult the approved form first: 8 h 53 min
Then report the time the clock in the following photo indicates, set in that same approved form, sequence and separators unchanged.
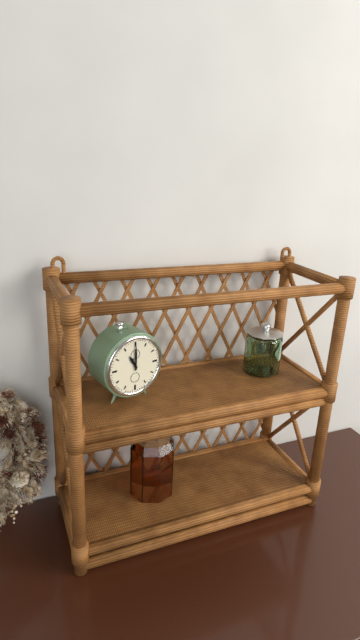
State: 11 h 00 min
